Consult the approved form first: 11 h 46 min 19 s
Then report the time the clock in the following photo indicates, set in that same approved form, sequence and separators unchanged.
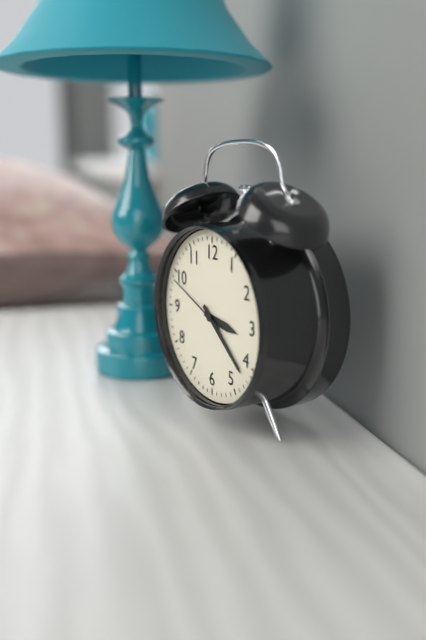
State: 3 h 22 min 49 s
